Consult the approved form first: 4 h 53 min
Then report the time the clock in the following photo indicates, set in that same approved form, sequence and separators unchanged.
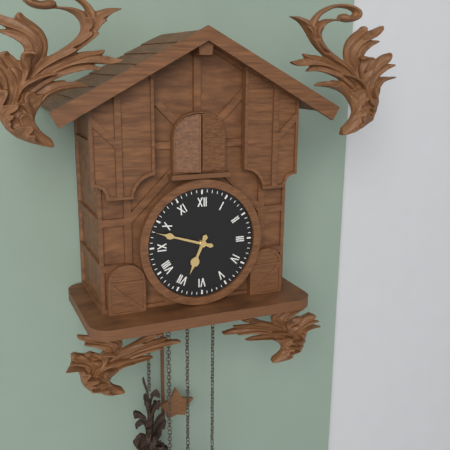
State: 6 h 48 min
